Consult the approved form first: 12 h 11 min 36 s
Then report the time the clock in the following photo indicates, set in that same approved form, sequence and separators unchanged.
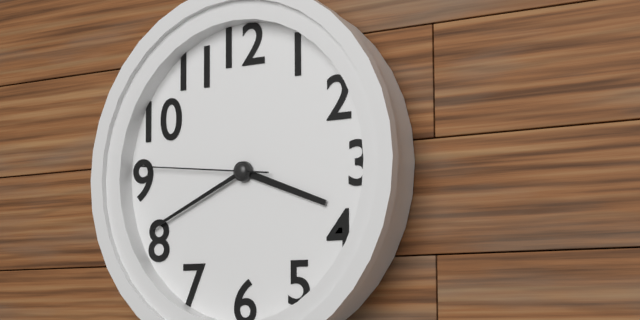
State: 3 h 41 min 46 s
